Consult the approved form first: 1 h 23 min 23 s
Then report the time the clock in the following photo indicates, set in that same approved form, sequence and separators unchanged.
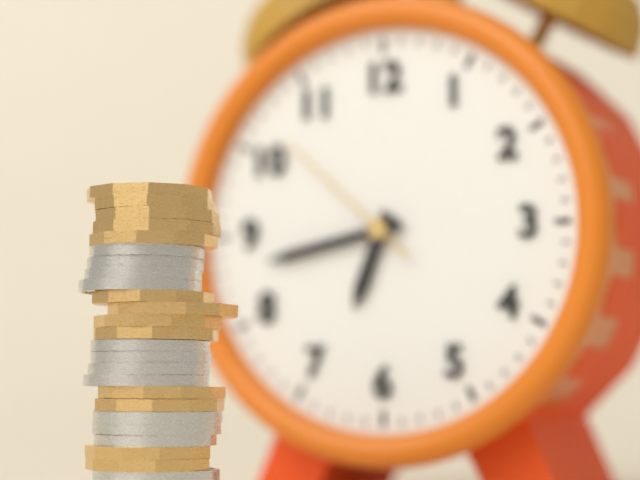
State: 6 h 43 min 52 s
